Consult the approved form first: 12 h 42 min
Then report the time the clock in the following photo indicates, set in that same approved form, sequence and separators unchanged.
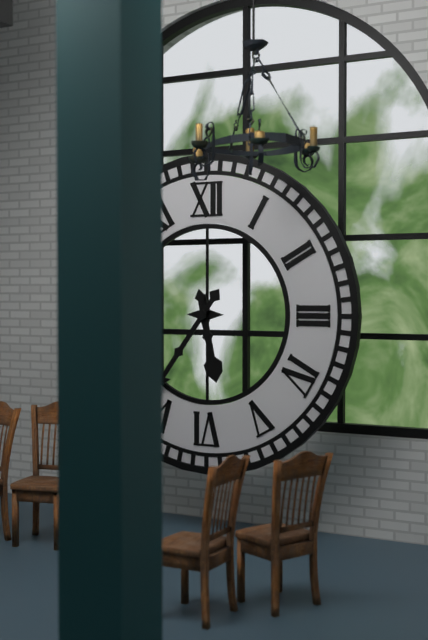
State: 5 h 36 min
